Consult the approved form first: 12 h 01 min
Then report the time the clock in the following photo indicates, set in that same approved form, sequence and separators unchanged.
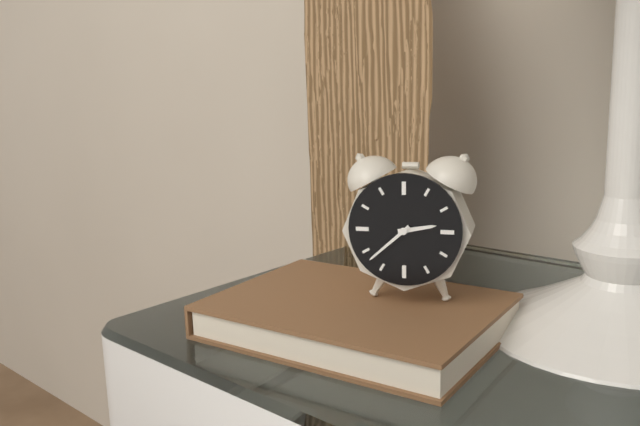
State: 2 h 38 min
